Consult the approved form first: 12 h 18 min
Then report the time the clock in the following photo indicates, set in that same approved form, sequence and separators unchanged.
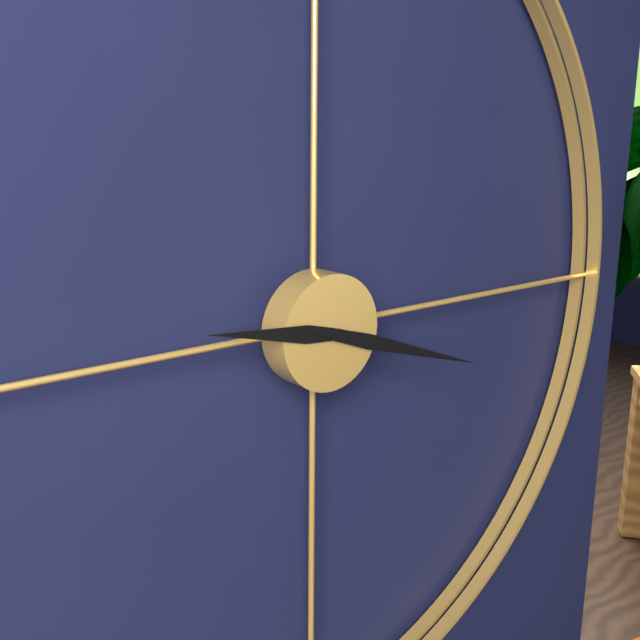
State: 9 h 18 min
